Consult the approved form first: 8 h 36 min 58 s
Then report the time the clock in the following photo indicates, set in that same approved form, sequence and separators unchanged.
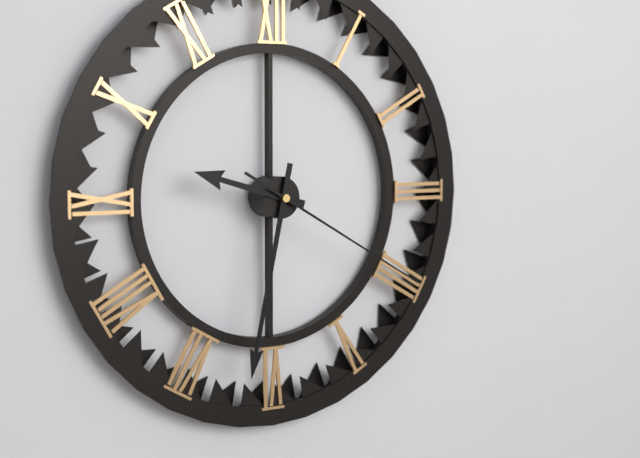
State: 9 h 32 min 20 s
